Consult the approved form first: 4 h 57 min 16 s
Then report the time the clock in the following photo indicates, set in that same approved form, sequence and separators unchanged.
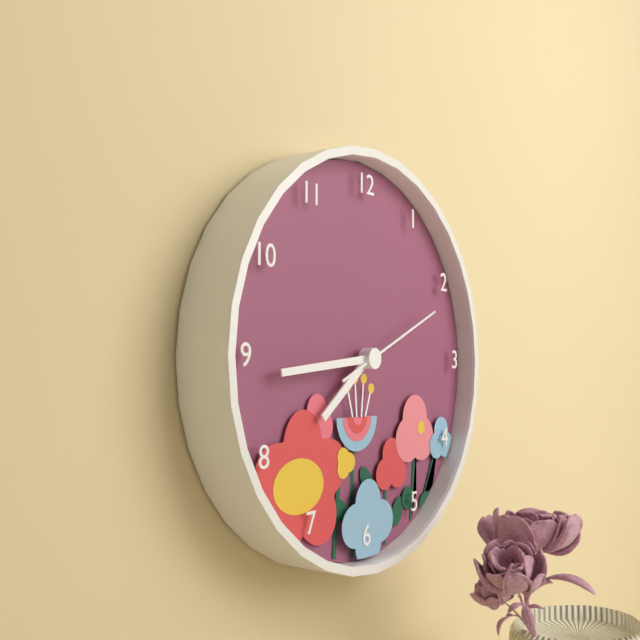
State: 7 h 44 min 11 s
